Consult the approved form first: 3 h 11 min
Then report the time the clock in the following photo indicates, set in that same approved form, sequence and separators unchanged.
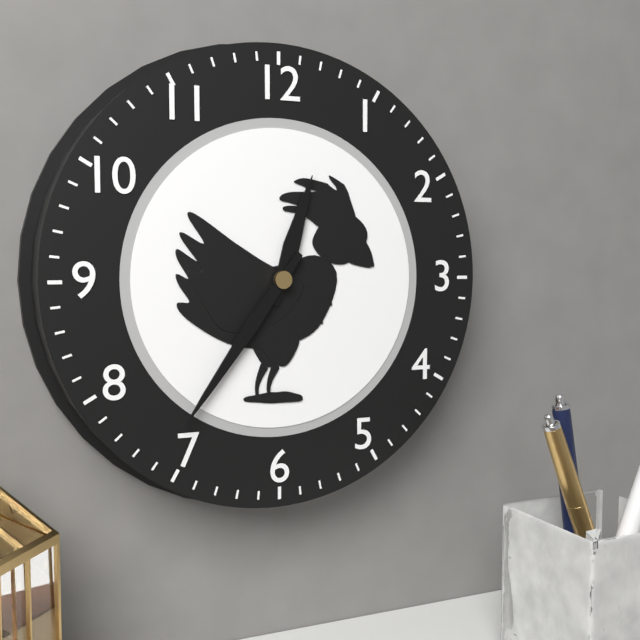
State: 12 h 36 min
